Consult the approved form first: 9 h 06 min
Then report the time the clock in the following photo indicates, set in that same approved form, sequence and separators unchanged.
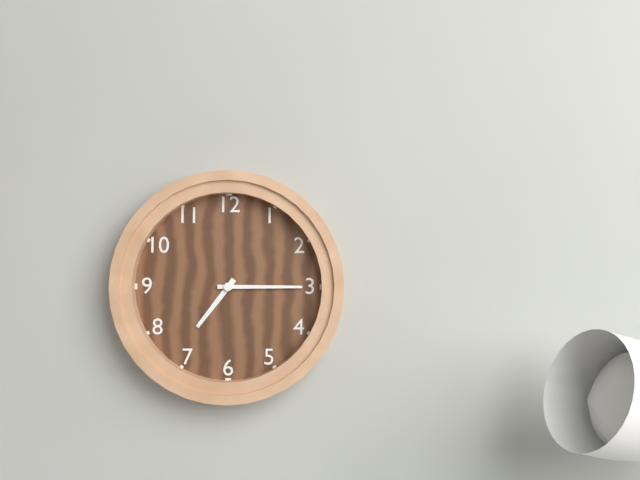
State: 7 h 15 min
